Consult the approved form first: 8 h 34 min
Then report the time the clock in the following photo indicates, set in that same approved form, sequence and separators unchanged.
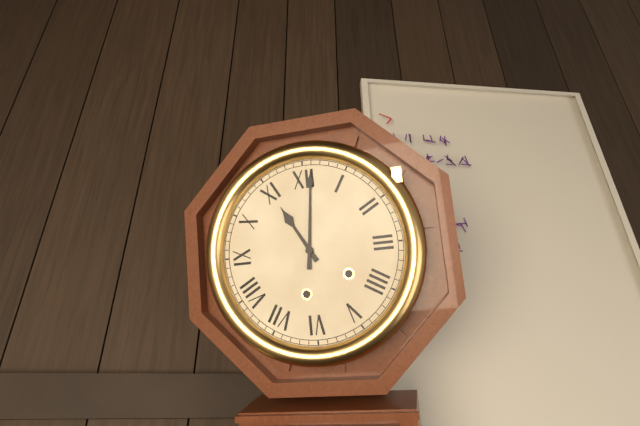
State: 11 h 01 min
